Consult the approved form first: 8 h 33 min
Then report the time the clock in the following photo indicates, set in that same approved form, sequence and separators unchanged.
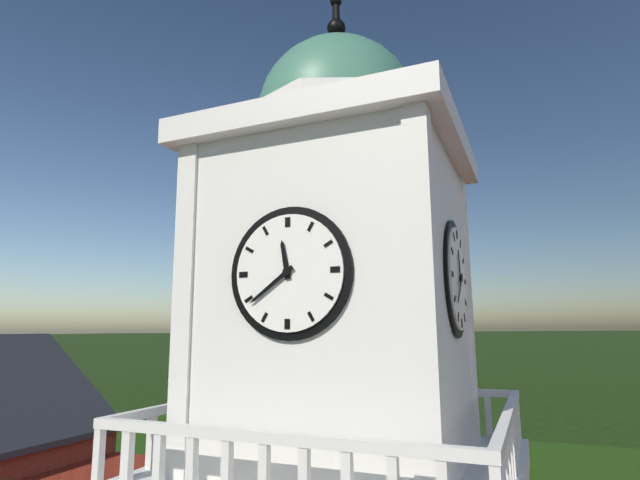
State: 11 h 39 min
